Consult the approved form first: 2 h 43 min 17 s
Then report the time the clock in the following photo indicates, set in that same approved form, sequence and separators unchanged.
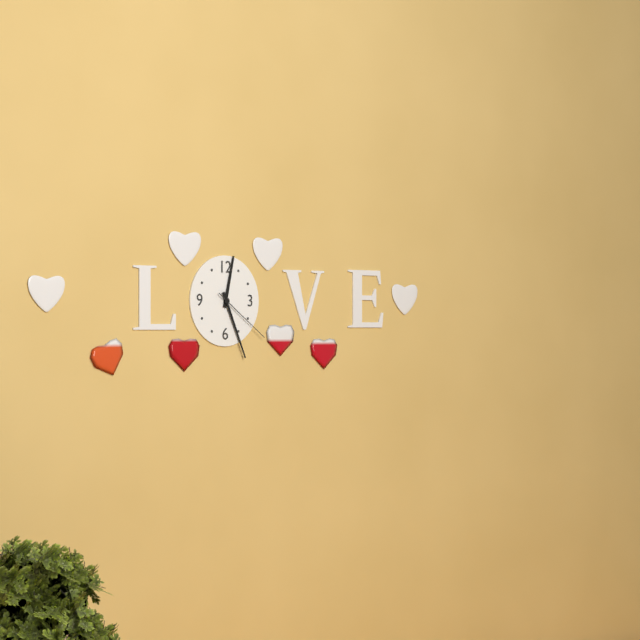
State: 12 h 26 min 21 s
